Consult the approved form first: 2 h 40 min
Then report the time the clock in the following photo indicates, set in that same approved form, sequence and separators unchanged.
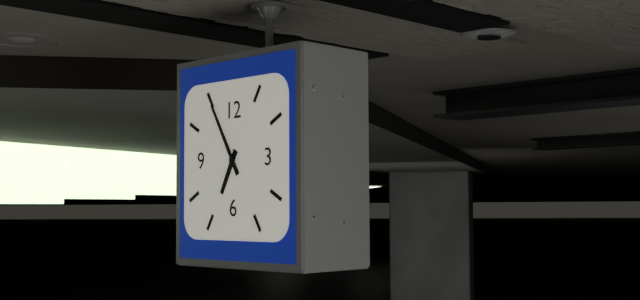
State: 6 h 55 min
